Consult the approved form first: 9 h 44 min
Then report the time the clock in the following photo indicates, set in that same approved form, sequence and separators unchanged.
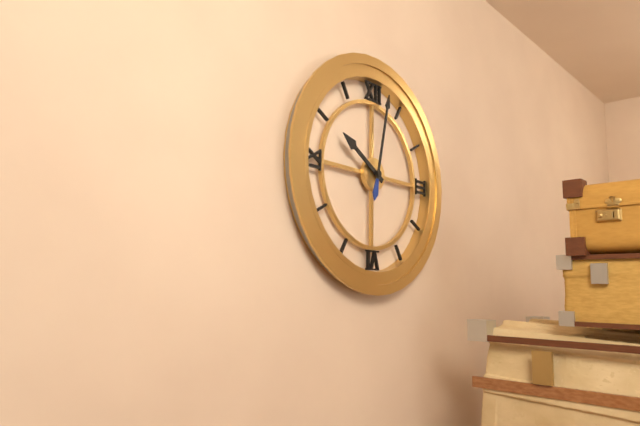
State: 10 h 02 min
